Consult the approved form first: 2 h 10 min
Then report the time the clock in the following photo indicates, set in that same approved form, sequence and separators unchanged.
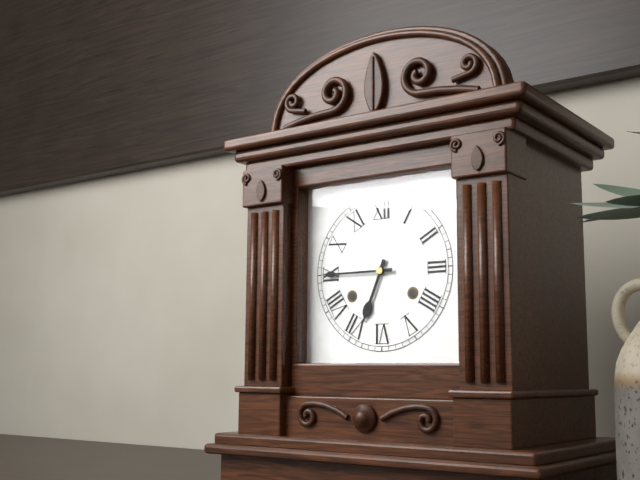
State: 6 h 45 min
